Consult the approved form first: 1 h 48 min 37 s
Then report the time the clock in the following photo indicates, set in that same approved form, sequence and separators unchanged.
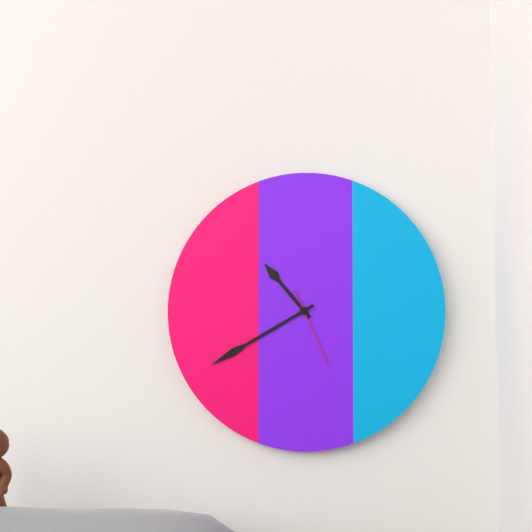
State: 10 h 40 min 26 s
